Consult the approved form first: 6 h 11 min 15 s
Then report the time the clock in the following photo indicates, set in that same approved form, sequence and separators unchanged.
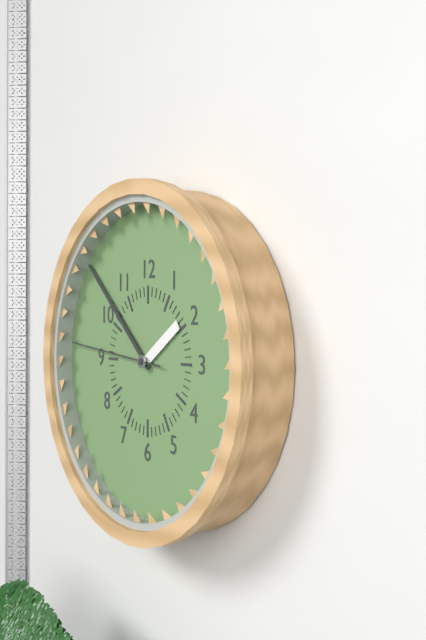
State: 1 h 52 min 46 s
